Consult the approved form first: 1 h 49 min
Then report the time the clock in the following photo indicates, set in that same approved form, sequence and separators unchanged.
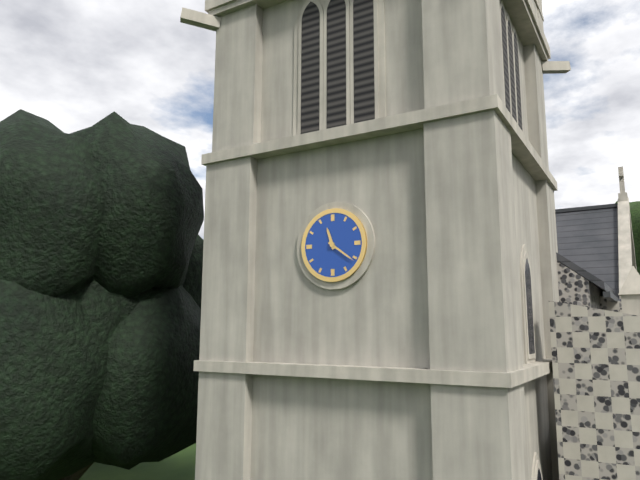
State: 11 h 21 min
